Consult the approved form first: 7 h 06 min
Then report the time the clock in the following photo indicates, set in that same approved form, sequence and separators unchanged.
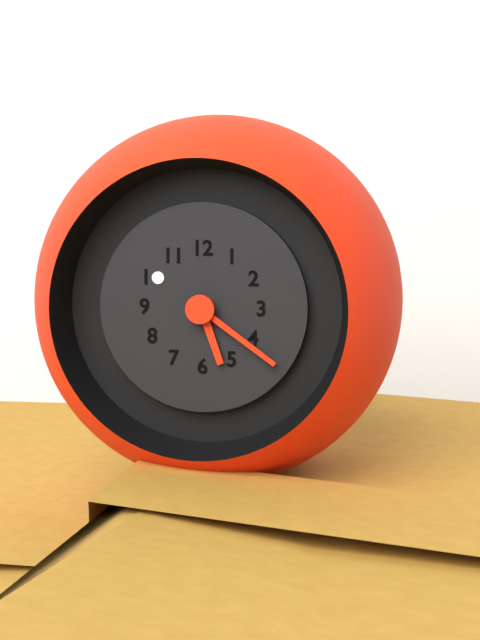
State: 5 h 21 min
